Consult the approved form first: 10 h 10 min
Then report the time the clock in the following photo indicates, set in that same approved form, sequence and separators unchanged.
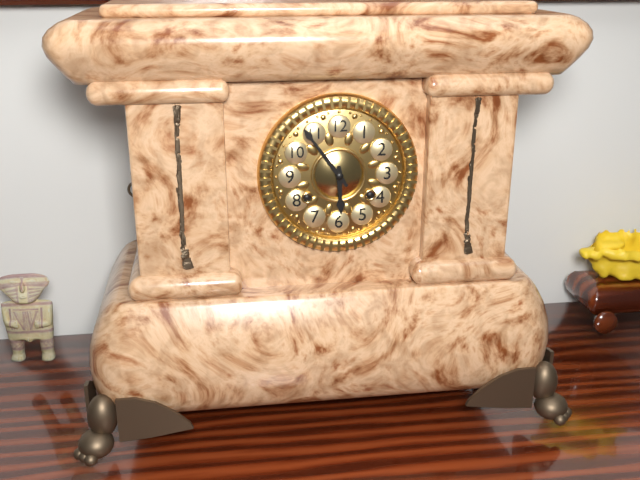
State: 5 h 54 min
